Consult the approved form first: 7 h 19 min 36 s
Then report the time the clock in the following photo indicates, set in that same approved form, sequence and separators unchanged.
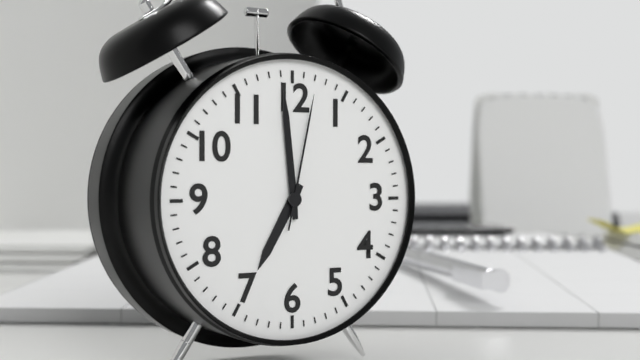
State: 6 h 59 min 02 s
